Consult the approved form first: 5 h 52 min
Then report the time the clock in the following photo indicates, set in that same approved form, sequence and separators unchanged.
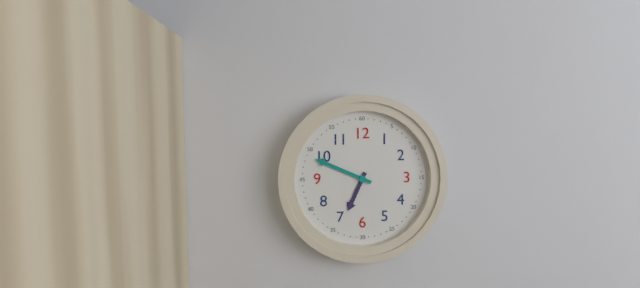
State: 6 h 49 min
